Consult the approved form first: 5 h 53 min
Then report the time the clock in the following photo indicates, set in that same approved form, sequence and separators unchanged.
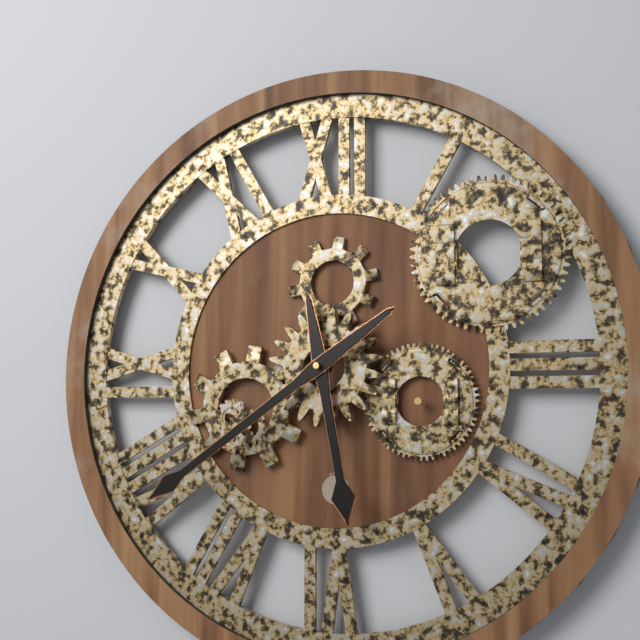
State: 5 h 39 min
